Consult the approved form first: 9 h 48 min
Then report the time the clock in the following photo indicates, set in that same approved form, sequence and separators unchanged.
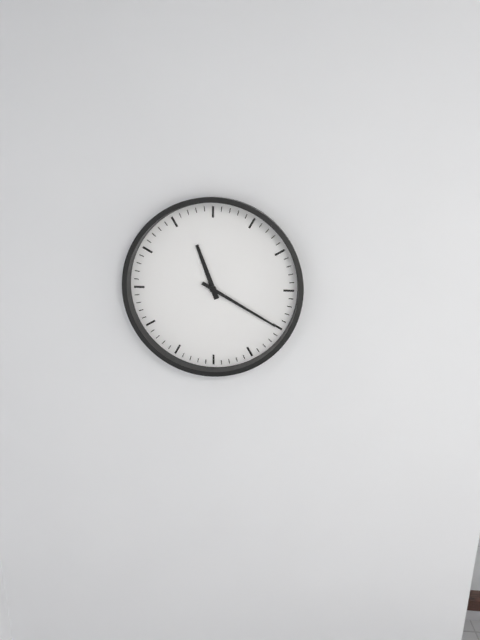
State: 11 h 20 min
